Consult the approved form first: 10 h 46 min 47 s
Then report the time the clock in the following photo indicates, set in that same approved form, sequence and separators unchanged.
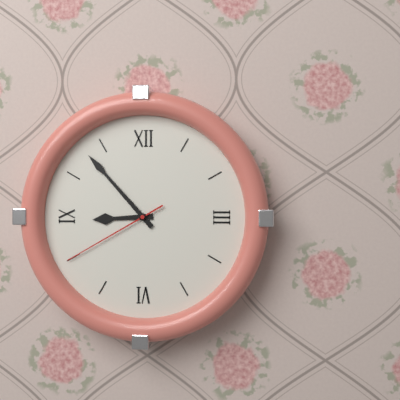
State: 8 h 53 min 40 s
